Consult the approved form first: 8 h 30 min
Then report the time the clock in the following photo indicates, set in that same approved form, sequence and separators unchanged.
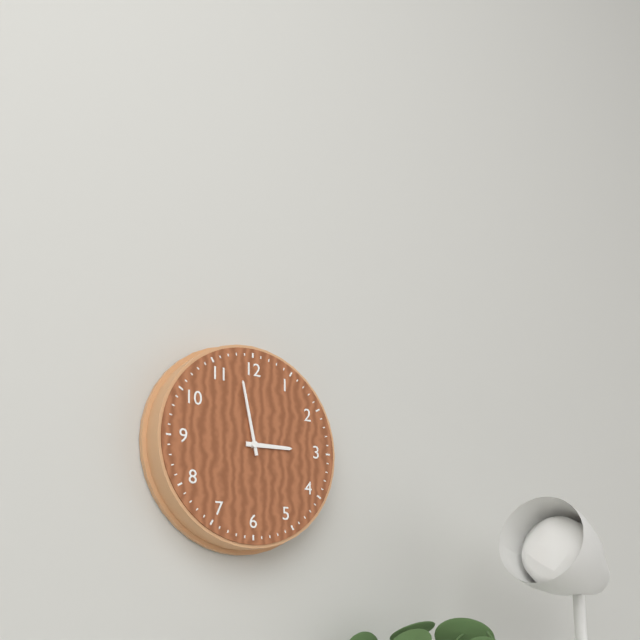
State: 2 h 58 min
